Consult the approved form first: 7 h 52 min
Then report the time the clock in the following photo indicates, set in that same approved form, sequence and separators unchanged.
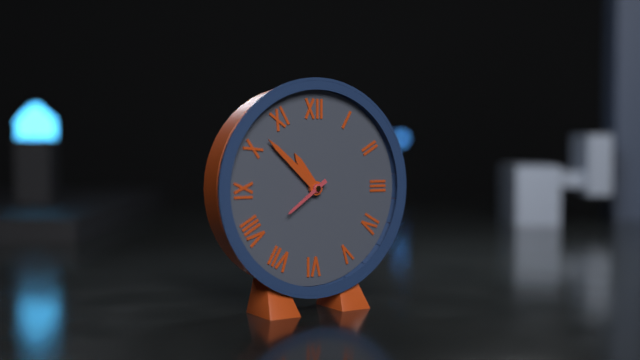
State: 10 h 52 min
